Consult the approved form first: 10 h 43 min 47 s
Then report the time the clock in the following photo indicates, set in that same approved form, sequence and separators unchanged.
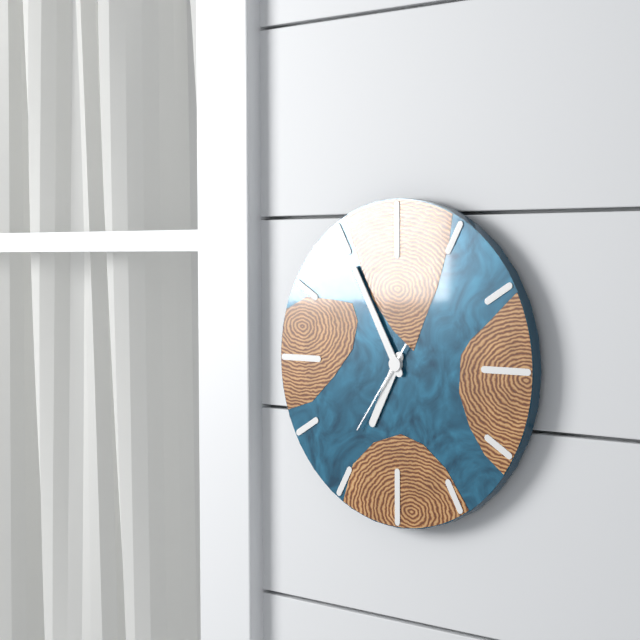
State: 6 h 55 min 36 s
